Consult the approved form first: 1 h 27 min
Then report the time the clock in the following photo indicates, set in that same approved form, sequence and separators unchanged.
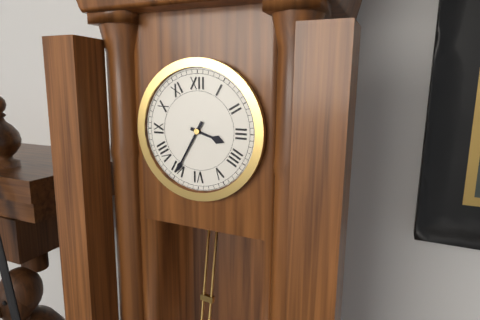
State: 3 h 35 min
